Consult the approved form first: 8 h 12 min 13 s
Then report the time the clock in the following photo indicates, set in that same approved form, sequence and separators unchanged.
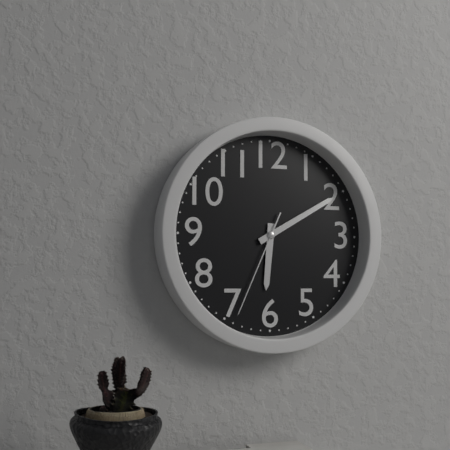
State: 6 h 10 min 34 s
